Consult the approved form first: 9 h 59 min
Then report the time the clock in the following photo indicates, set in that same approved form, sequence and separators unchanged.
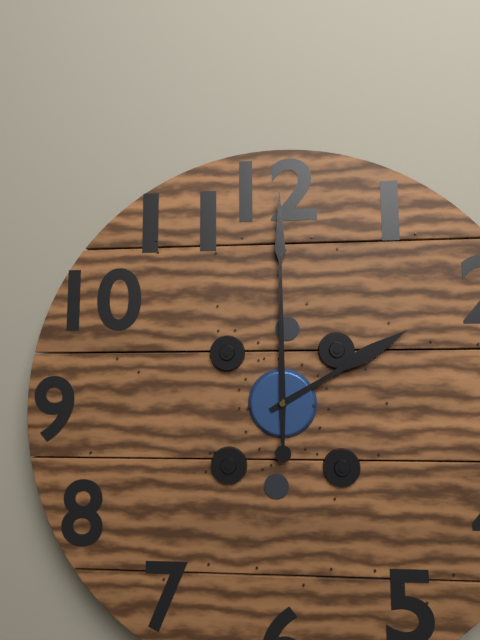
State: 2 h 00 min
